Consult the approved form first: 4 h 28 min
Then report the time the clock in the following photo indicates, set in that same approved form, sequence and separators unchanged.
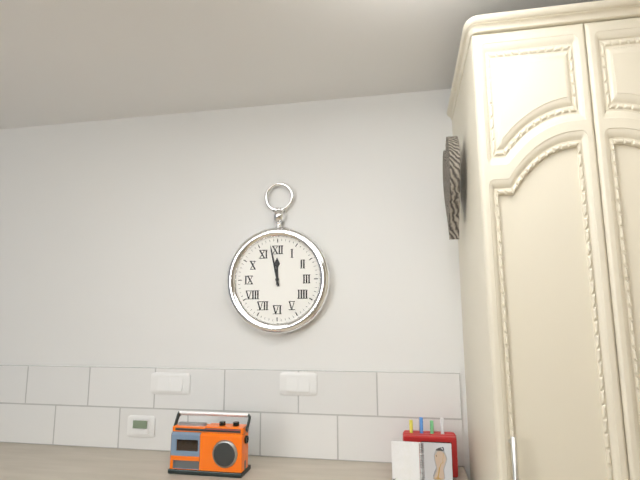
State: 11 h 58 min
